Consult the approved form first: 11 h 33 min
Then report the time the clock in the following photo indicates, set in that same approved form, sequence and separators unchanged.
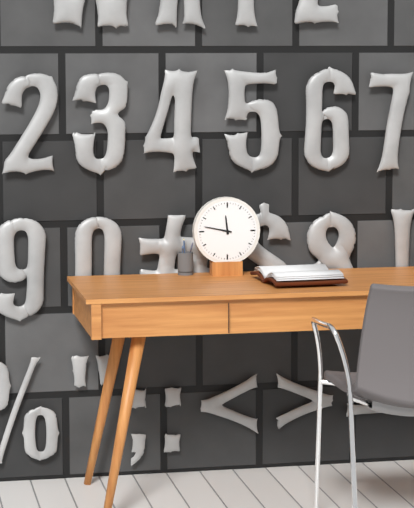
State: 11 h 47 min
